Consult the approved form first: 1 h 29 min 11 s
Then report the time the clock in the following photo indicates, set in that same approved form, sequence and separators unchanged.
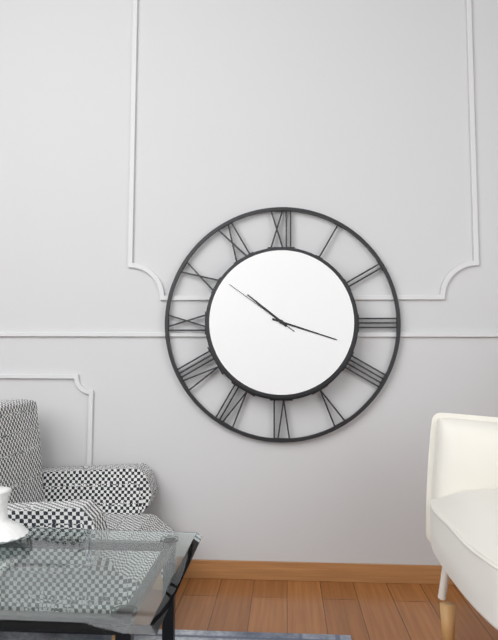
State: 10 h 18 min 51 s
